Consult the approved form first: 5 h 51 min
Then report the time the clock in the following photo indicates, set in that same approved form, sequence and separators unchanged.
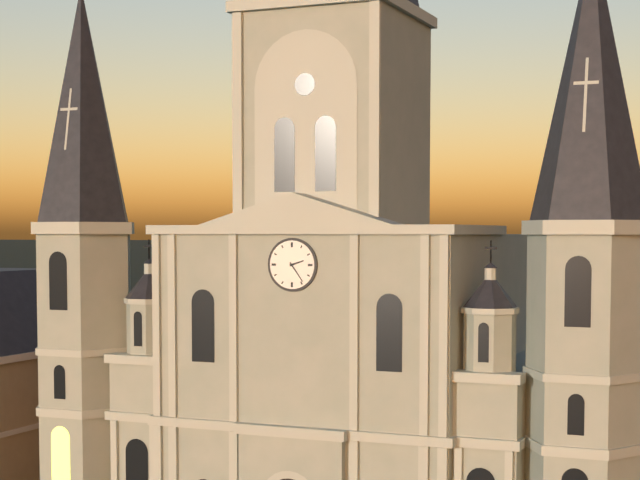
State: 2 h 24 min
